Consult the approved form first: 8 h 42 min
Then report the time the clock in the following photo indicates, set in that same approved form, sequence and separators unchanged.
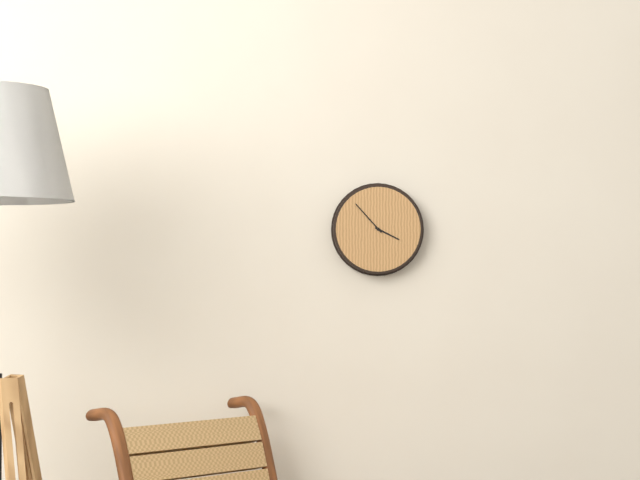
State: 3 h 53 min
